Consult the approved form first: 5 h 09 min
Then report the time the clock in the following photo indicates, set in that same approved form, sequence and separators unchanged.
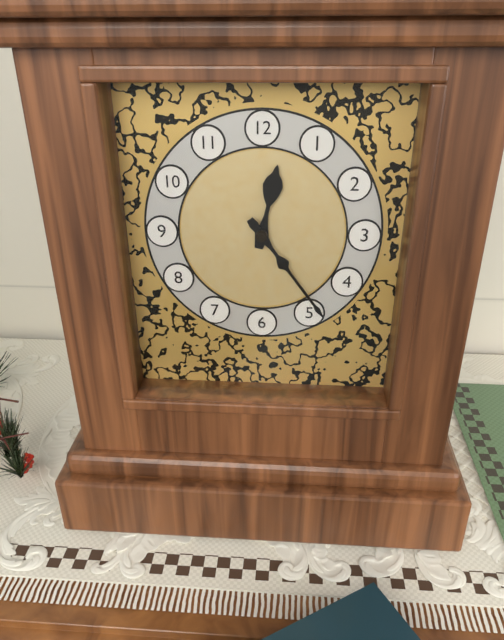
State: 12 h 24 min
